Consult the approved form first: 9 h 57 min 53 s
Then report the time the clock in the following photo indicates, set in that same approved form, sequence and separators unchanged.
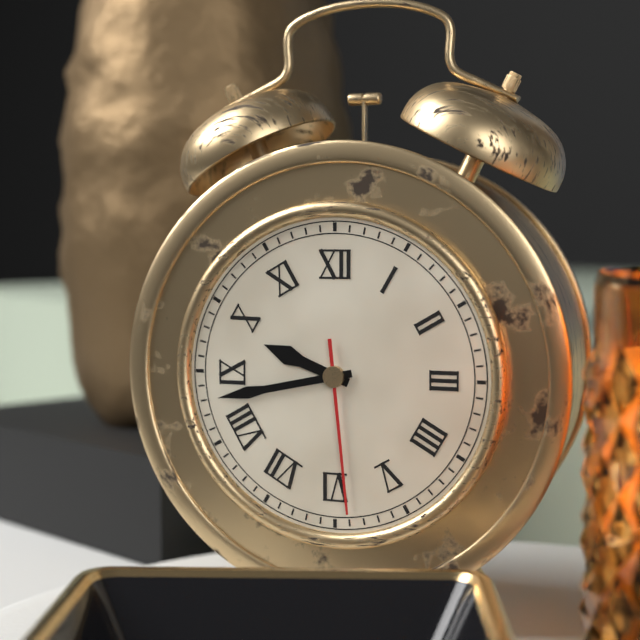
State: 9 h 43 min 29 s
